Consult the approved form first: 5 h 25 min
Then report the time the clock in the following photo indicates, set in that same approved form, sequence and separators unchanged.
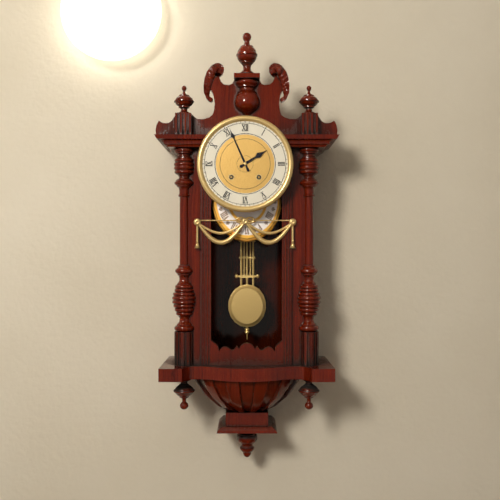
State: 1 h 56 min
